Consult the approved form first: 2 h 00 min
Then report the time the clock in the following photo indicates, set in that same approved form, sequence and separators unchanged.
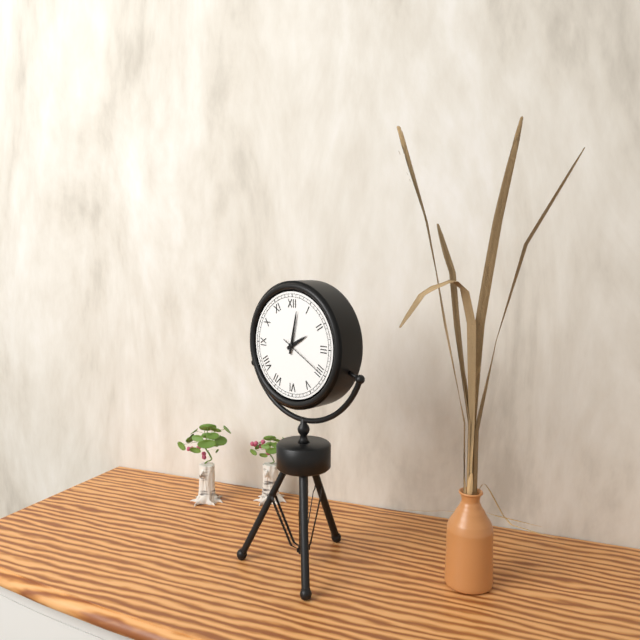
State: 2 h 02 min
